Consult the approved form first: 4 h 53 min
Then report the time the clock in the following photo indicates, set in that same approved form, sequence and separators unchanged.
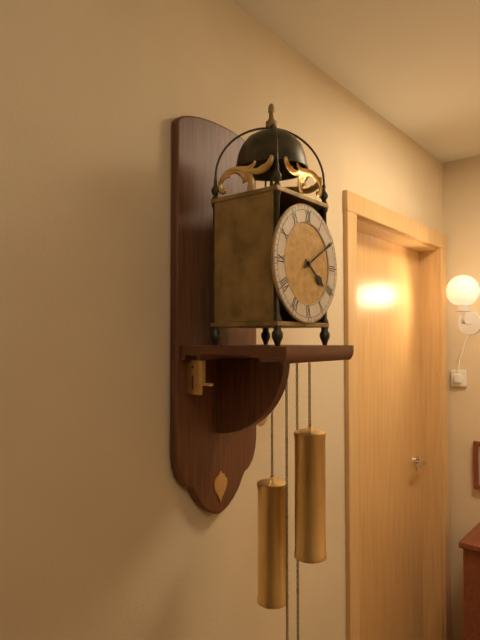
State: 4 h 10 min
